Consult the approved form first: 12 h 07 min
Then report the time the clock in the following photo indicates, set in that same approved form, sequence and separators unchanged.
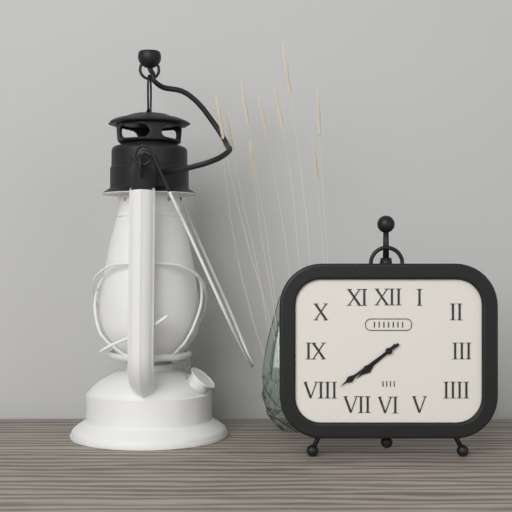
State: 7 h 39 min
